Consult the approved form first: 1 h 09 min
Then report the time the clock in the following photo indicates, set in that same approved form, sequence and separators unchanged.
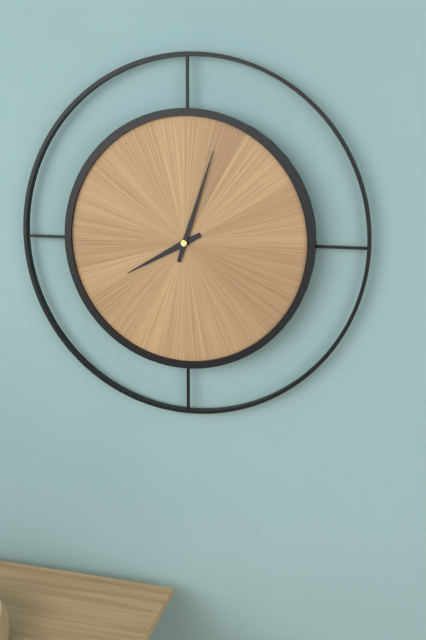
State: 8 h 03 min
